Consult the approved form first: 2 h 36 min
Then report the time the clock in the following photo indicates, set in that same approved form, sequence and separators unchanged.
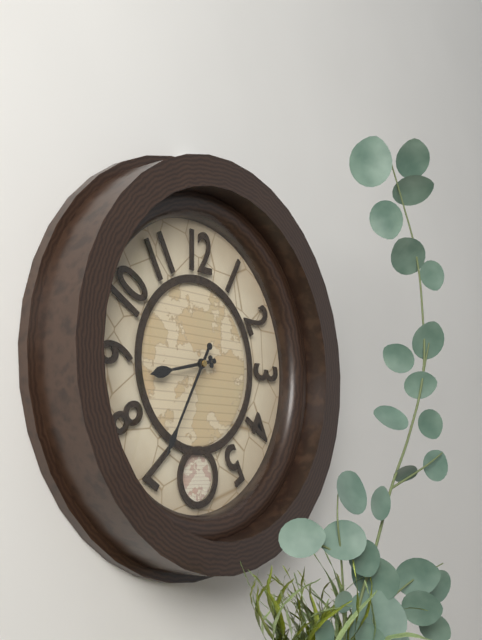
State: 8 h 35 min
